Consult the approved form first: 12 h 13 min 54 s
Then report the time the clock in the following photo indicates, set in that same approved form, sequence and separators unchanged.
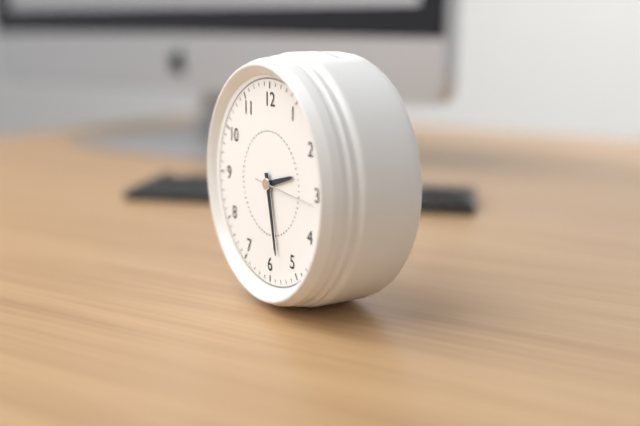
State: 2 h 28 min 16 s
